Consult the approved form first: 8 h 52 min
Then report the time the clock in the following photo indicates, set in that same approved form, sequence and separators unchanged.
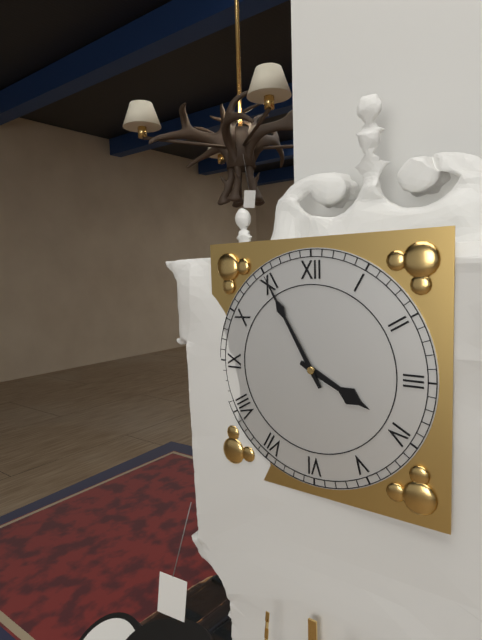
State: 3 h 55 min
